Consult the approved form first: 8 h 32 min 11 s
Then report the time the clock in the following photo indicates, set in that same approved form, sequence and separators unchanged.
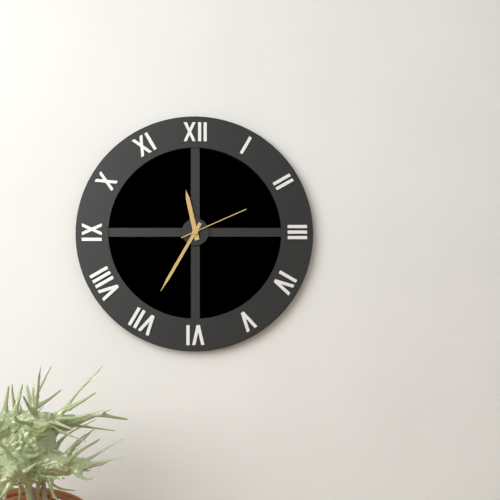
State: 11 h 35 min 11 s
